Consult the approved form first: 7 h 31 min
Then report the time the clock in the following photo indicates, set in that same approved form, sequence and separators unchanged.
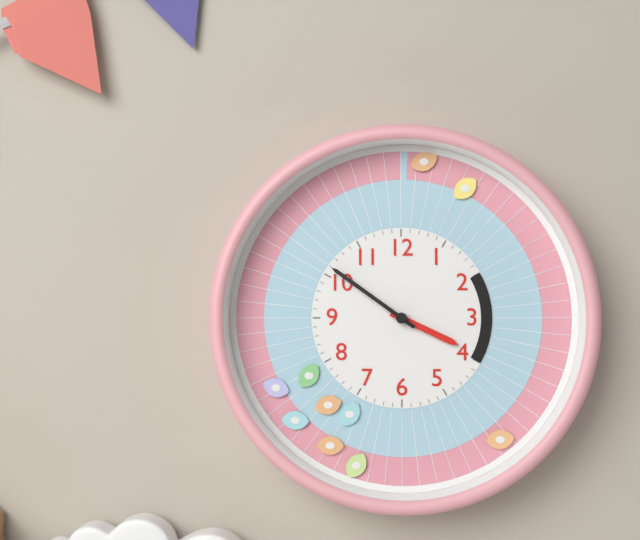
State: 3 h 51 min
